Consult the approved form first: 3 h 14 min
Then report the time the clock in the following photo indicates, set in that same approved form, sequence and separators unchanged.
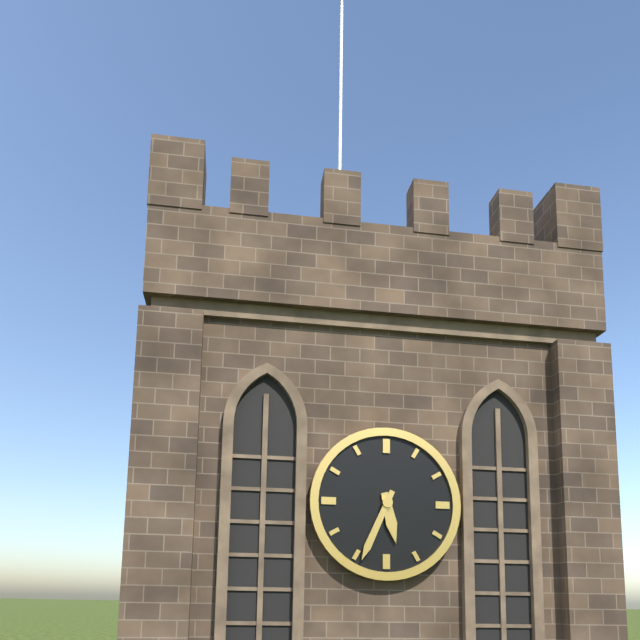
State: 5 h 34 min
